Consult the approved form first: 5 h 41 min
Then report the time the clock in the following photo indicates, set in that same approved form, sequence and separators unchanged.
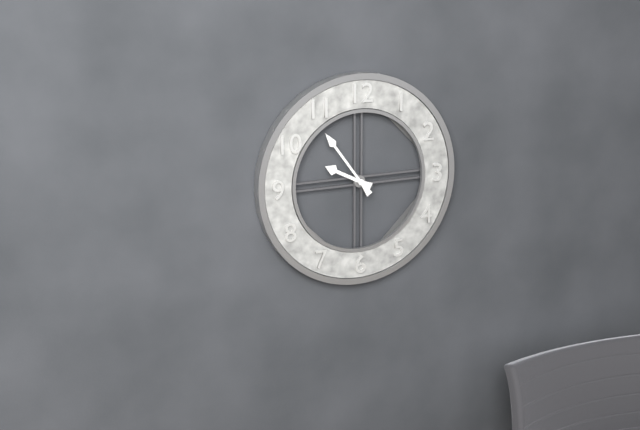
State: 9 h 54 min
